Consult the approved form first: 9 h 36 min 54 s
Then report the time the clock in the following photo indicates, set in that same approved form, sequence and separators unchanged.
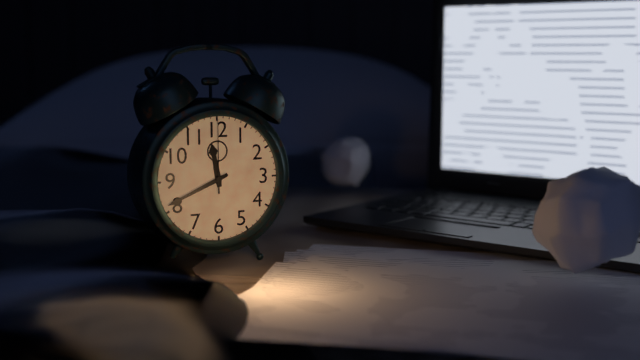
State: 11 h 41 min 00 s
